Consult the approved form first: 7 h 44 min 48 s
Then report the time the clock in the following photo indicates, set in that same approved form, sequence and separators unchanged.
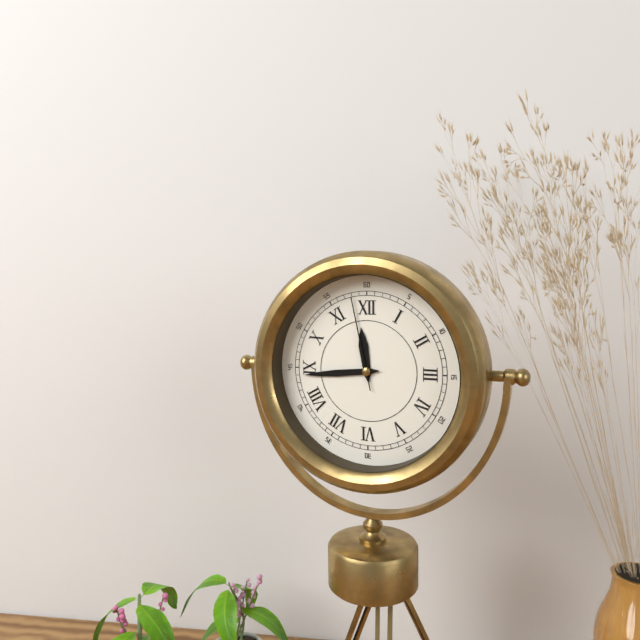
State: 11 h 44 min 58 s
